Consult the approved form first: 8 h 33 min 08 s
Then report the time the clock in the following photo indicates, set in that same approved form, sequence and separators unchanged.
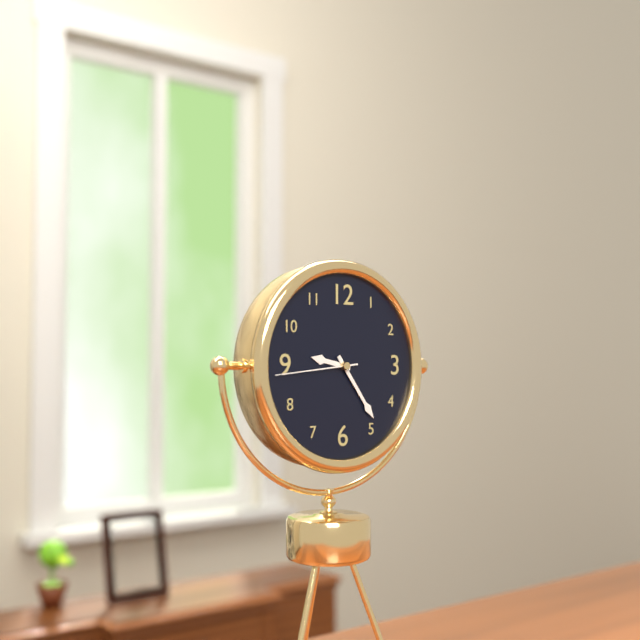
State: 9 h 24 min 44 s
